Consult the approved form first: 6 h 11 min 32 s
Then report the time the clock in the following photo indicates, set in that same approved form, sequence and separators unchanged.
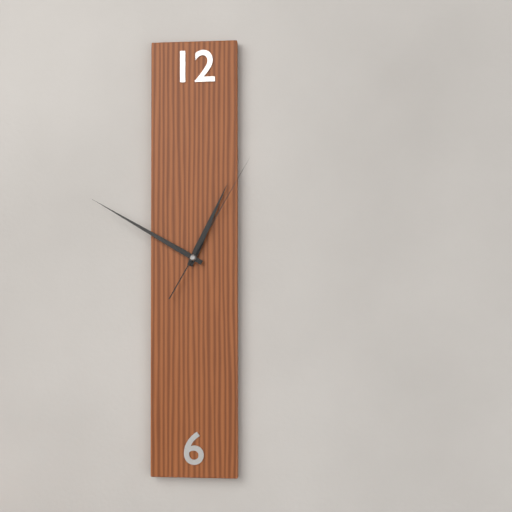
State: 12 h 50 min 05 s
